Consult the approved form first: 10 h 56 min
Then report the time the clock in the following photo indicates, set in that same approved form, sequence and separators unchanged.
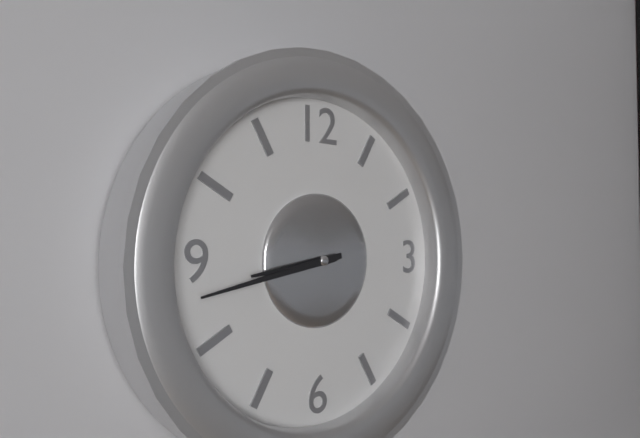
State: 8 h 43 min
